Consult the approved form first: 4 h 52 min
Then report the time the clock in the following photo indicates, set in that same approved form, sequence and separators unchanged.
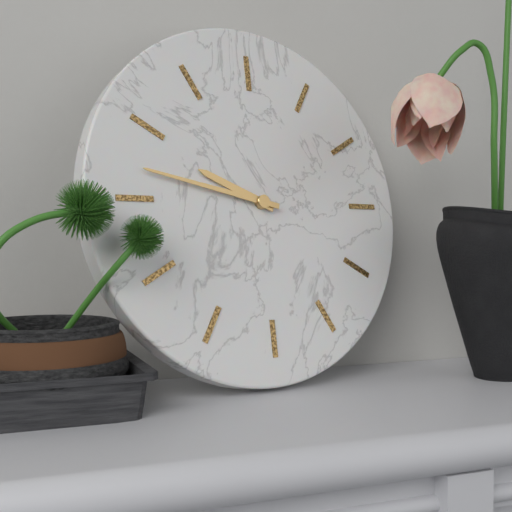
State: 9 h 47 min
